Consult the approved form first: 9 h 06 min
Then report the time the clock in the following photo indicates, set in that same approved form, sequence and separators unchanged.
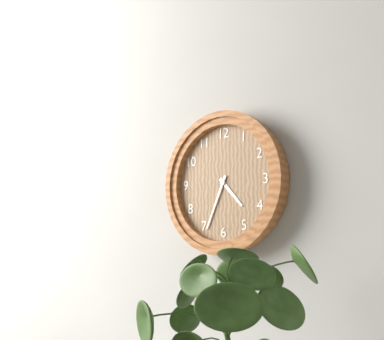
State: 4 h 34 min
